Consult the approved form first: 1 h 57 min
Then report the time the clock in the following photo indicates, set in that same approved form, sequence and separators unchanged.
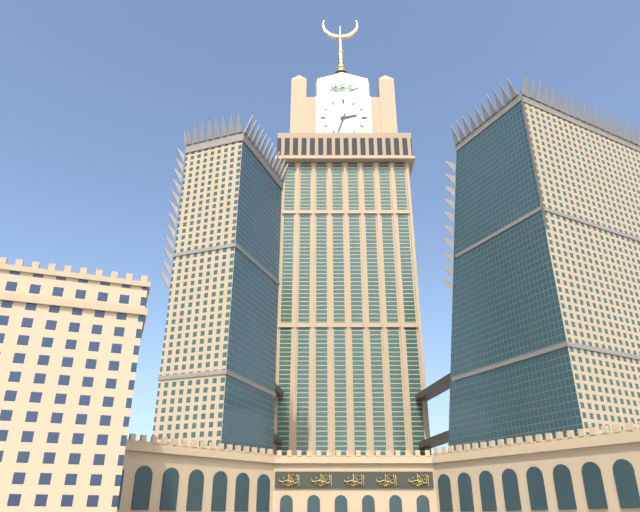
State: 2 h 33 min
